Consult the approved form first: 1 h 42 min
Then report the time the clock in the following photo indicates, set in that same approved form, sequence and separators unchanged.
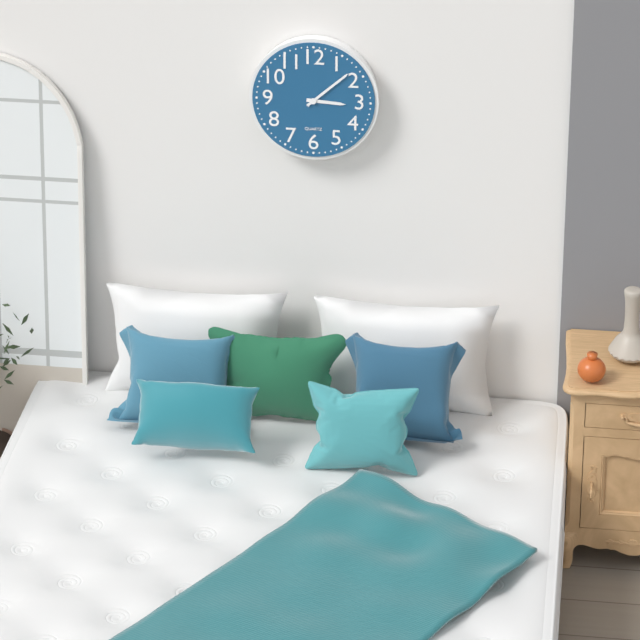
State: 3 h 08 min
